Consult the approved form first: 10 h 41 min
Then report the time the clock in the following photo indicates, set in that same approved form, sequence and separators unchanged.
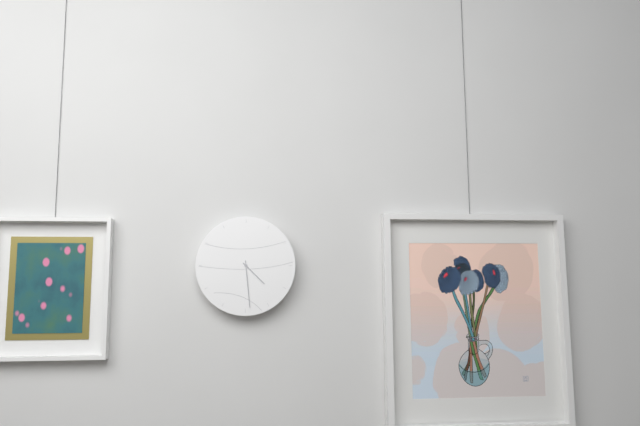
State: 4 h 29 min
